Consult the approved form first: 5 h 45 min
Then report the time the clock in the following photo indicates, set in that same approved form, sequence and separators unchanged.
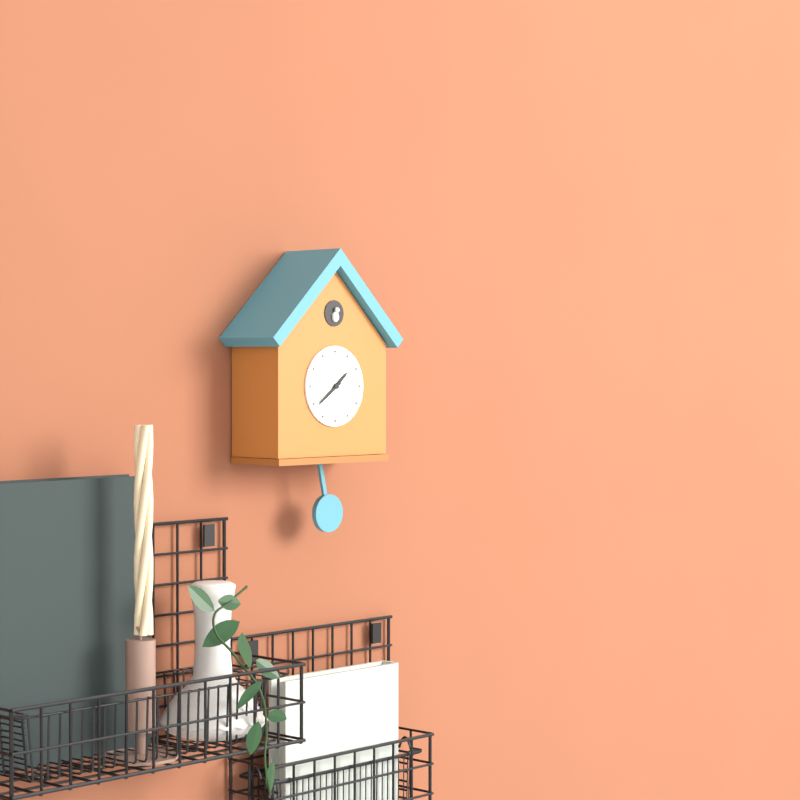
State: 1 h 39 min
